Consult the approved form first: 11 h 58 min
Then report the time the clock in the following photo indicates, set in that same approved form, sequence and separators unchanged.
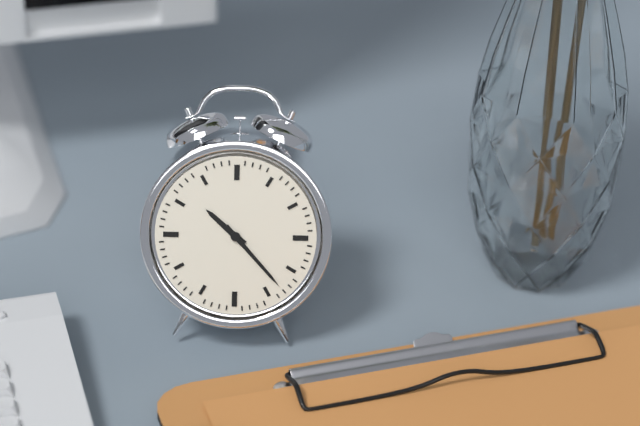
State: 10 h 23 min
